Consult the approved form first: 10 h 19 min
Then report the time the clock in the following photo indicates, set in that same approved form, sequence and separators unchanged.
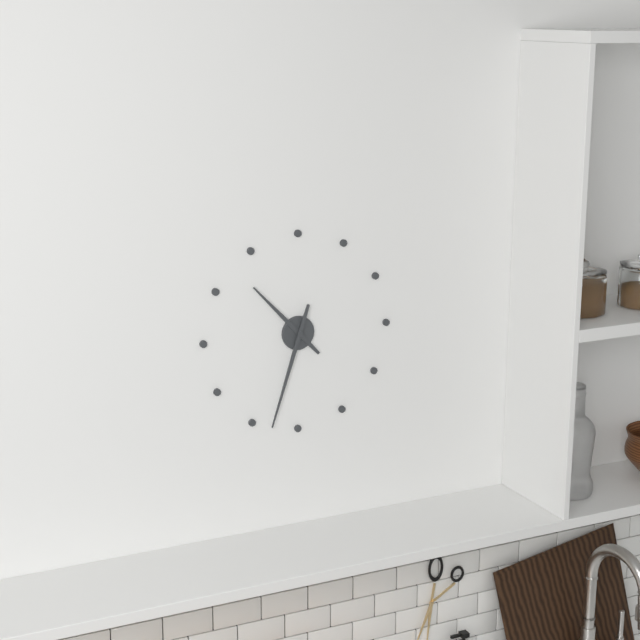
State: 10 h 33 min
